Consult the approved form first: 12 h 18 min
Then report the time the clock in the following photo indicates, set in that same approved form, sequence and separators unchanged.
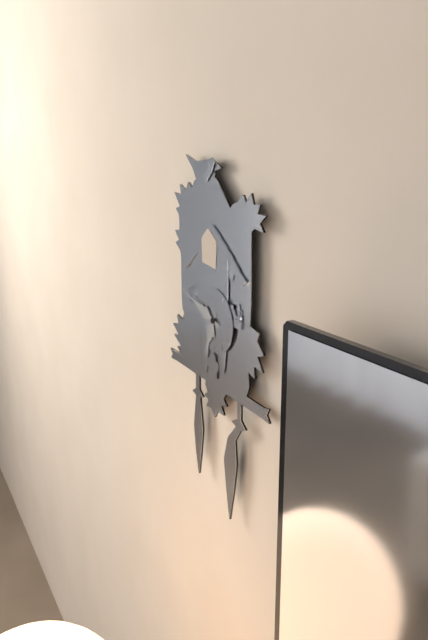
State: 6 h 48 min
